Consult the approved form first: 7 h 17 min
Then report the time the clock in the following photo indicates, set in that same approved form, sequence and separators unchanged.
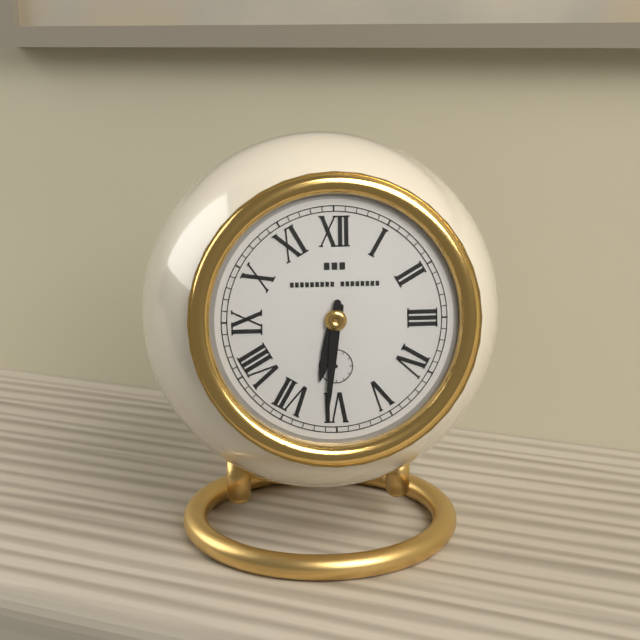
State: 6 h 31 min
